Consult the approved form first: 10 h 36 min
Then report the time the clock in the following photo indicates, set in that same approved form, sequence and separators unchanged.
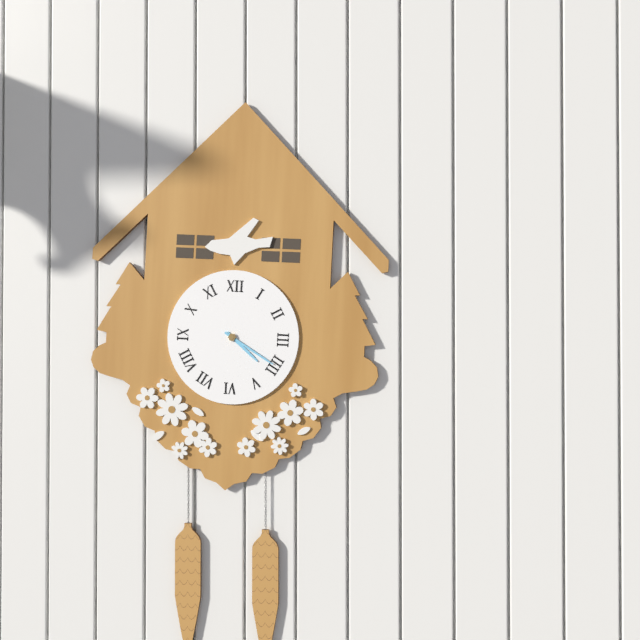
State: 4 h 20 min
